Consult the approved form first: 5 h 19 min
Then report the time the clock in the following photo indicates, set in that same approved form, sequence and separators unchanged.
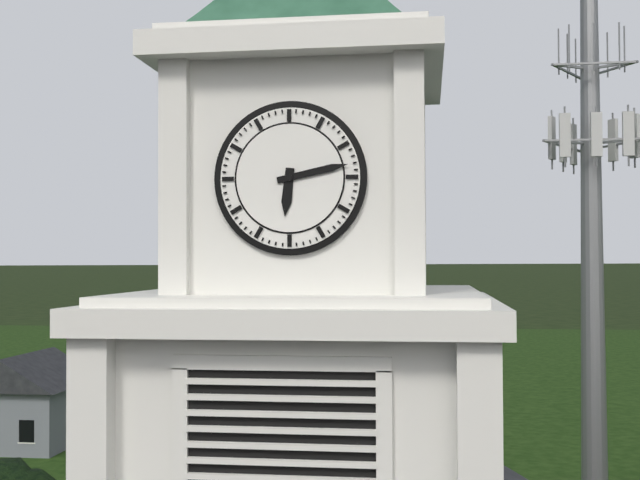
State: 6 h 13 min
